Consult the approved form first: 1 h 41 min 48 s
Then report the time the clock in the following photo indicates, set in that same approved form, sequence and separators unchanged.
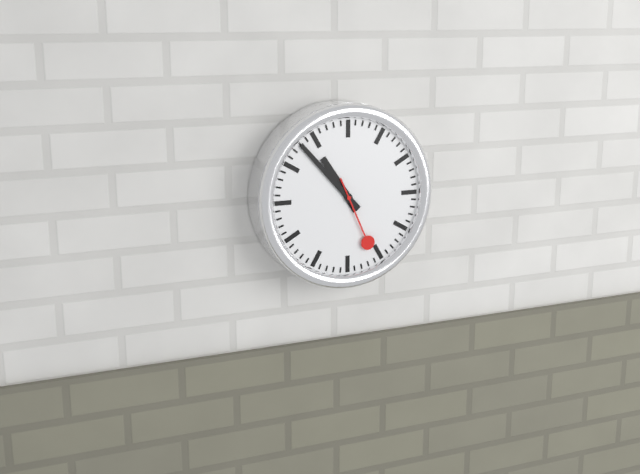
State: 10 h 53 min 26 s
